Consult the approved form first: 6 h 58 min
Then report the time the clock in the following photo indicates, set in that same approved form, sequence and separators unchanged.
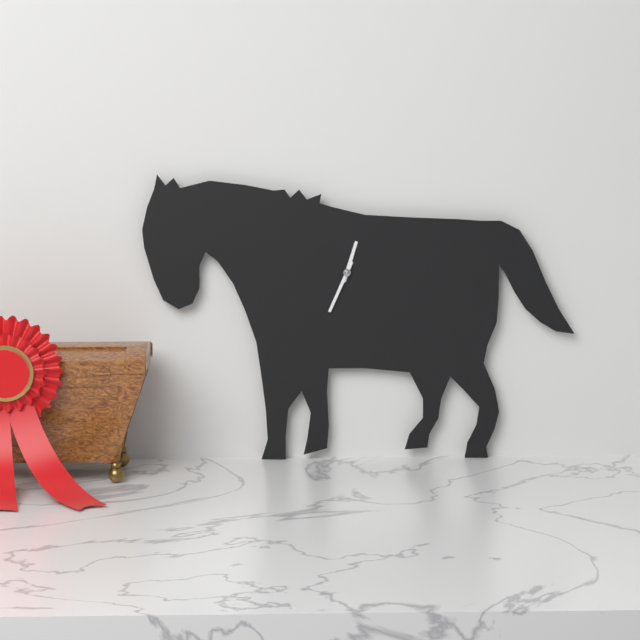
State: 12 h 34 min
